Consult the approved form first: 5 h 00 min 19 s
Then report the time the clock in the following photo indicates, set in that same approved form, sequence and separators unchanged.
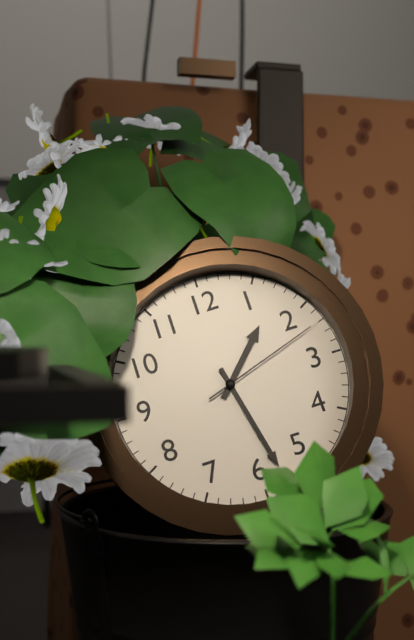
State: 1 h 28 min 12 s
